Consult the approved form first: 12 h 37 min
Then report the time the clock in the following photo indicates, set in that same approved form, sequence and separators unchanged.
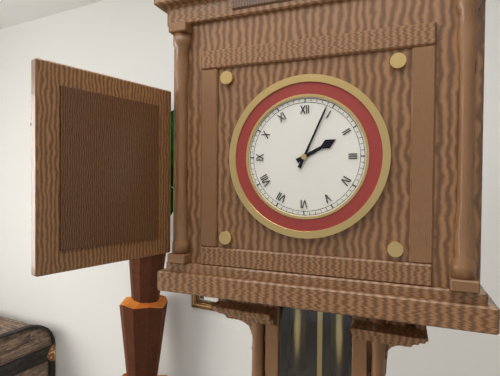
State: 2 h 04 min
